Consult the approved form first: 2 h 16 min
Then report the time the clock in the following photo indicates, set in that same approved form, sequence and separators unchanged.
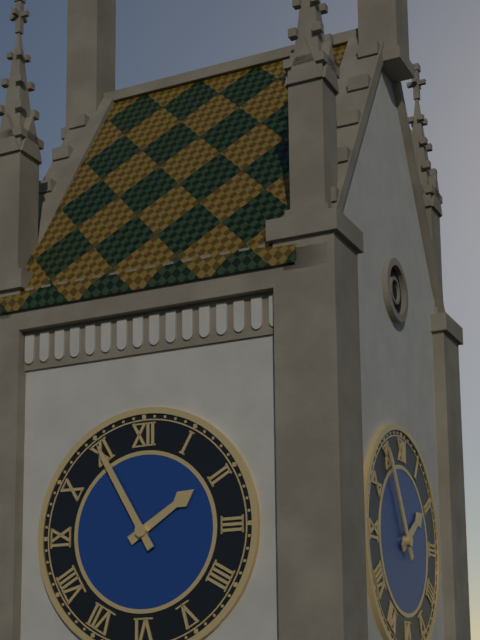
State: 1 h 55 min
